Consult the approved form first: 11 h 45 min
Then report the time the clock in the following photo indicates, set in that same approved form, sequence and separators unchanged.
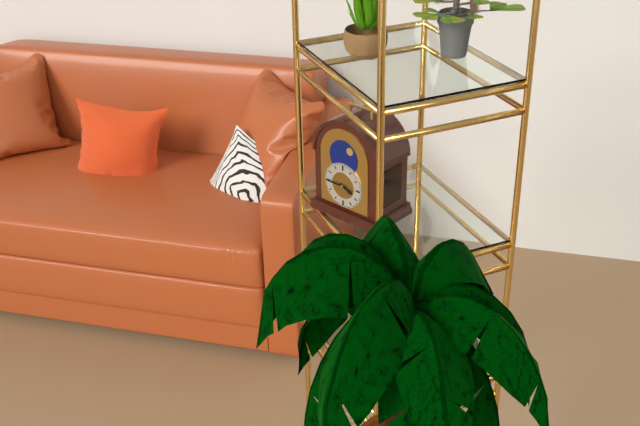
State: 3 h 45 min
